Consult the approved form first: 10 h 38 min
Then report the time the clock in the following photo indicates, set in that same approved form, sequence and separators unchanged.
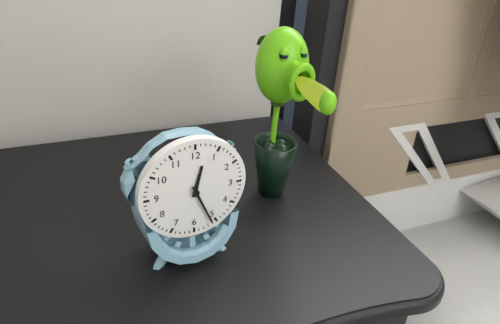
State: 12 h 26 min
